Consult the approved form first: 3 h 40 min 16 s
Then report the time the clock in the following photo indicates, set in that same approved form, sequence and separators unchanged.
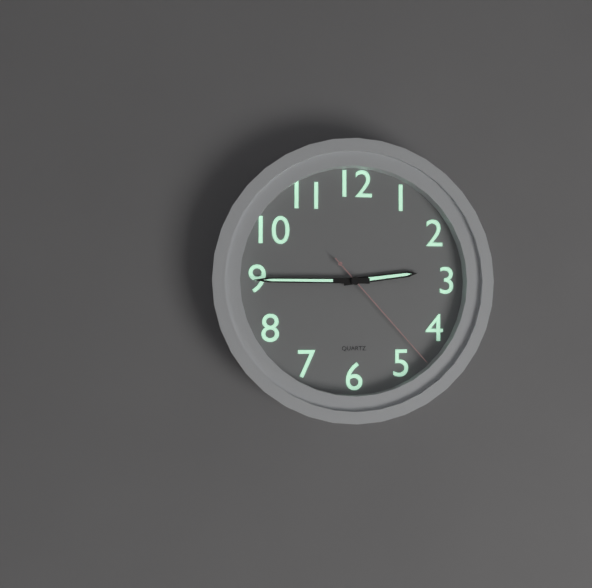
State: 2 h 45 min 23 s
